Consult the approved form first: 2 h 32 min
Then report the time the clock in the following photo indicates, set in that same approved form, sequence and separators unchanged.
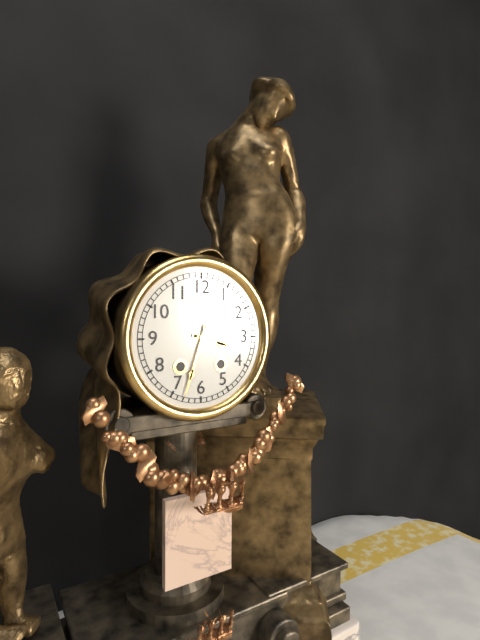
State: 3 h 33 min
